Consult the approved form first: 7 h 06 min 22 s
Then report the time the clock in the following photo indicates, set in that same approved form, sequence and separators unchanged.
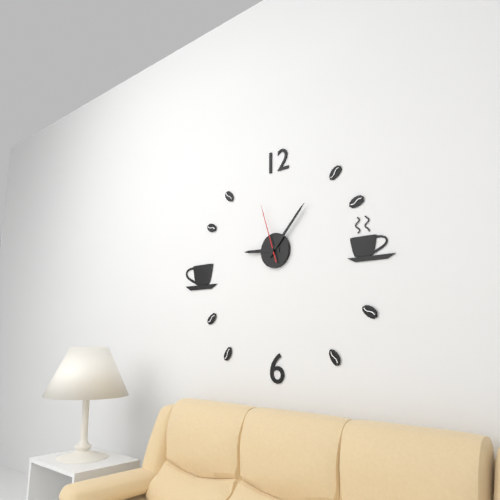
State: 9 h 07 min 57 s
